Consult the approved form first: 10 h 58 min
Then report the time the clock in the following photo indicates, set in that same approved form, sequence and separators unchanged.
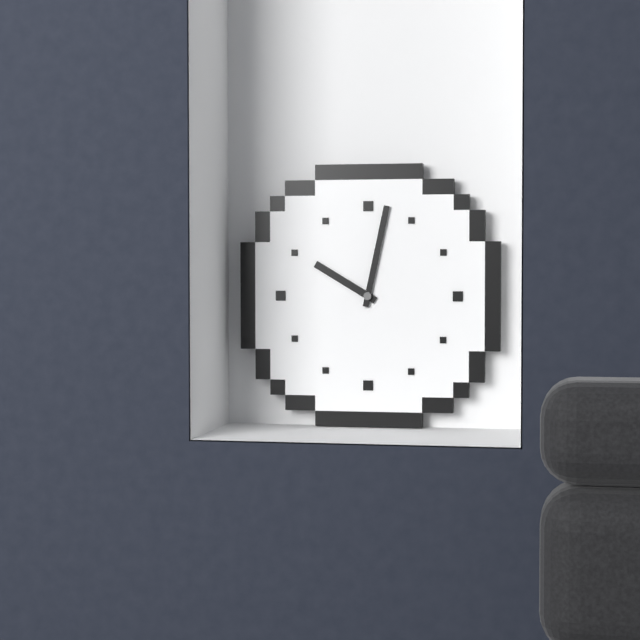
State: 10 h 02 min
